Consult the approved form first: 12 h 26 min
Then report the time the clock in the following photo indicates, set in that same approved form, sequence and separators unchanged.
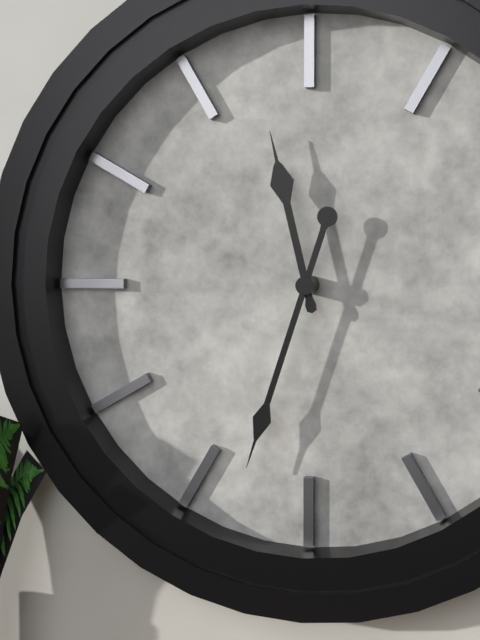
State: 11 h 33 min
